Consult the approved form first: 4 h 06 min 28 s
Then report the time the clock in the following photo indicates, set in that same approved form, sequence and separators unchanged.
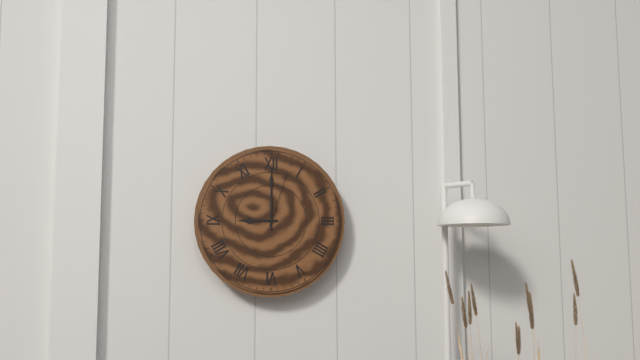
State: 9 h 00 min 03 s
